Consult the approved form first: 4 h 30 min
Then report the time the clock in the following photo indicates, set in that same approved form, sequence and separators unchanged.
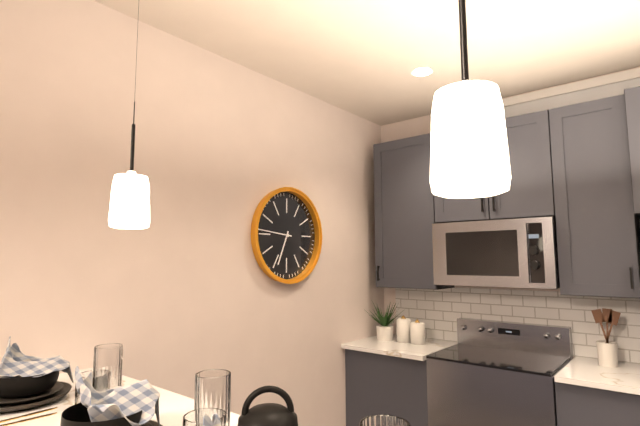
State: 6 h 46 min
